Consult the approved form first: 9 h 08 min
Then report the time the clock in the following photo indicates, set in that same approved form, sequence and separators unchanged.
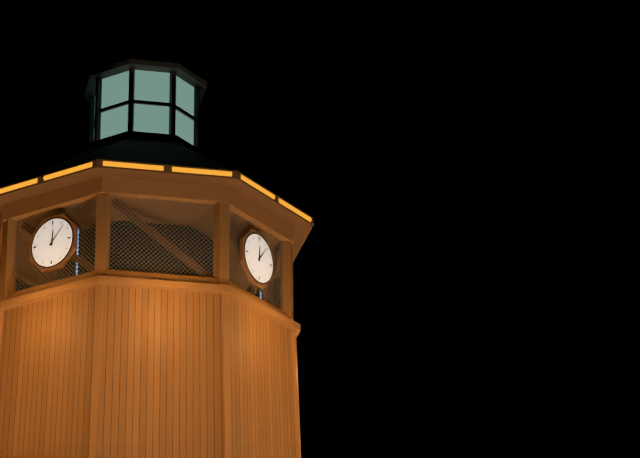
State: 12 h 07 min
